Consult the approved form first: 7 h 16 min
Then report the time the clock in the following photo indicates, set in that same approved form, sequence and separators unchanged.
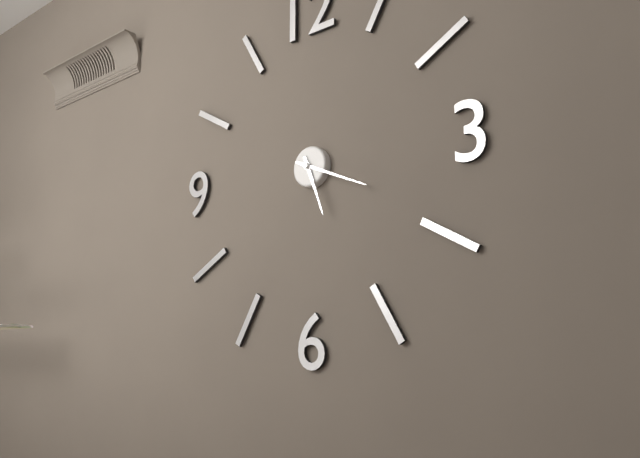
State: 5 h 19 min
